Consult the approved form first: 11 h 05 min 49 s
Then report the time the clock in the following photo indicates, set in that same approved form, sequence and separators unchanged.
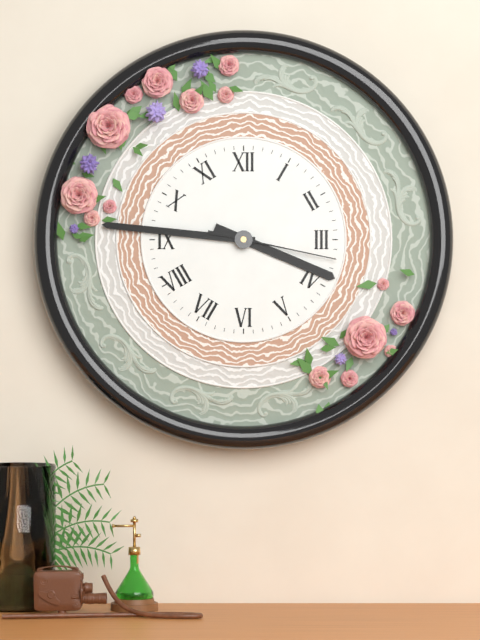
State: 3 h 46 min 17 s
